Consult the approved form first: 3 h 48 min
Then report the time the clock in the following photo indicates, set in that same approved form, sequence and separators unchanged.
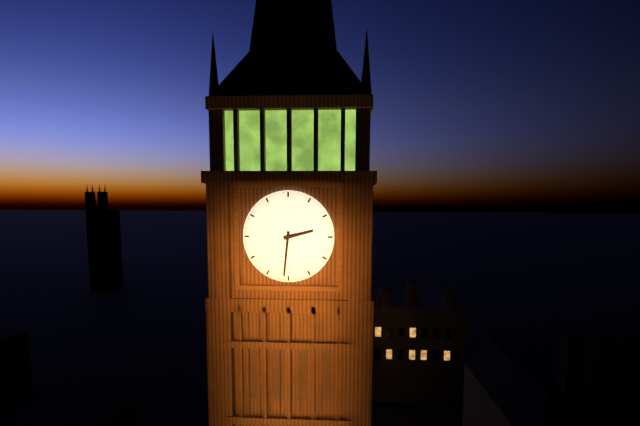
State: 2 h 31 min
